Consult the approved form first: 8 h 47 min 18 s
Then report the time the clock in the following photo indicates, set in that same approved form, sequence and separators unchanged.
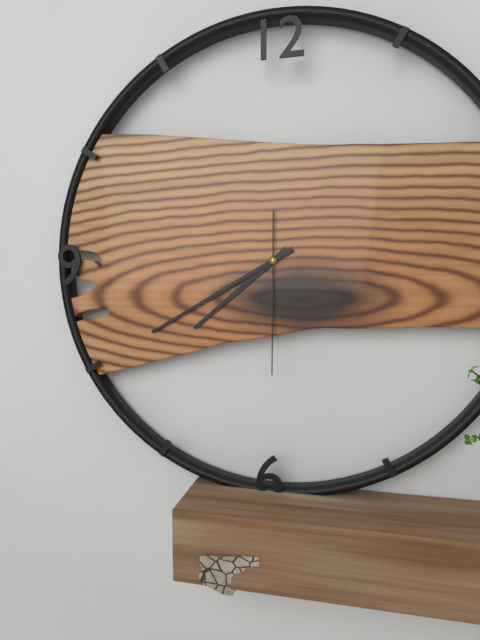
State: 7 h 40 min 30 s
